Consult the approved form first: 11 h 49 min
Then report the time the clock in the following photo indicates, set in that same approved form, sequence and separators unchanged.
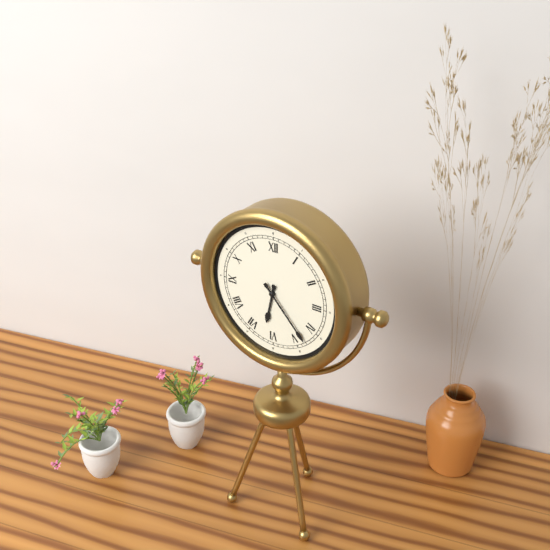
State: 6 h 23 min
